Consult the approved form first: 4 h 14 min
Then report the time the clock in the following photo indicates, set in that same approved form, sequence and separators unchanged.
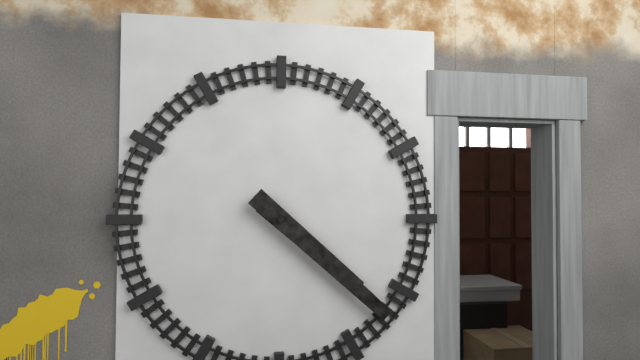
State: 4 h 22 min
